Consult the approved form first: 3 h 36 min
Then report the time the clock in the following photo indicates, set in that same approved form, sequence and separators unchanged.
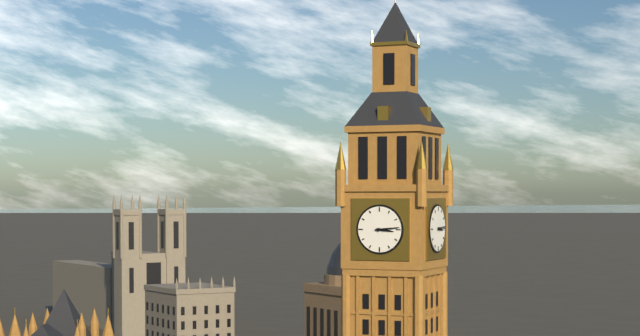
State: 3 h 14 min
